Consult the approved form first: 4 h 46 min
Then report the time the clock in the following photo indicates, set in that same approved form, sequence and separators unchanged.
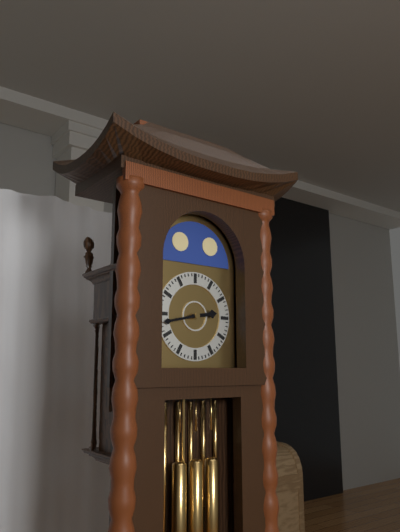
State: 2 h 43 min
